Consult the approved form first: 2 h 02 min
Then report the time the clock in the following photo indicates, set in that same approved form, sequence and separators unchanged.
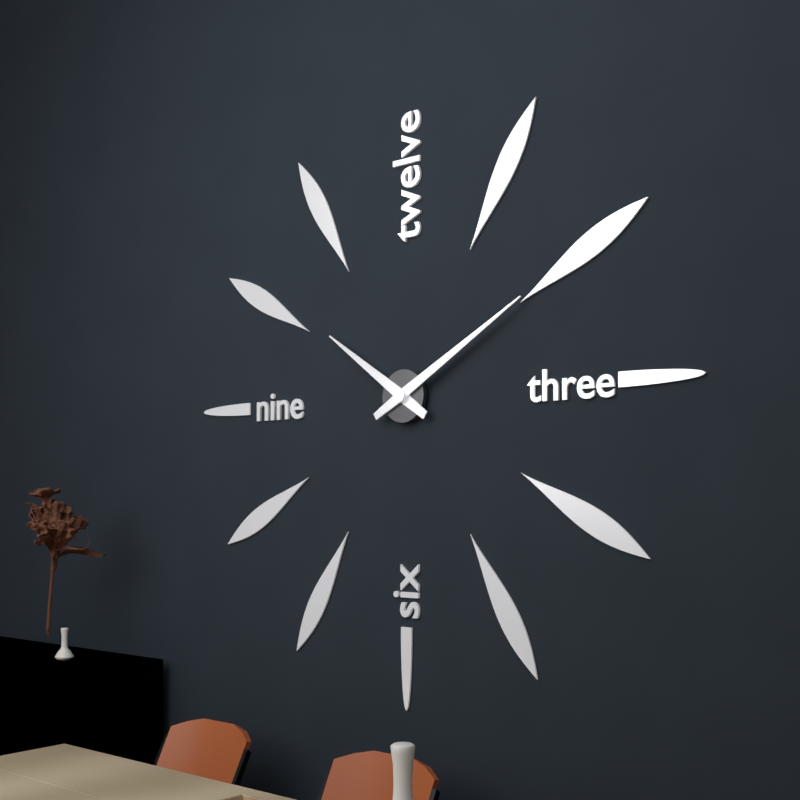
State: 10 h 10 min
